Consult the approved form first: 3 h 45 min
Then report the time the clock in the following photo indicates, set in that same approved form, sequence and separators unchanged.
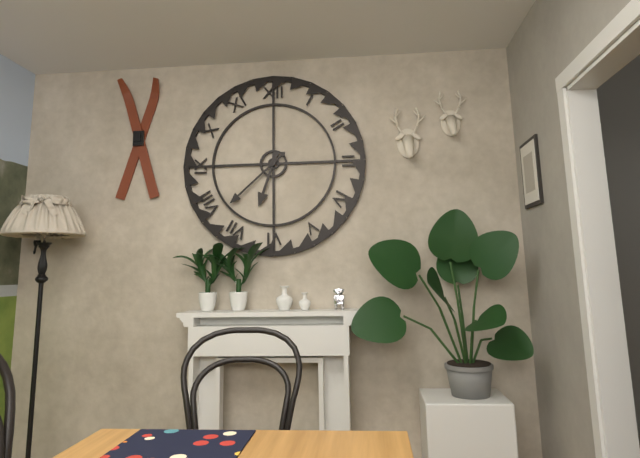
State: 6 h 38 min
